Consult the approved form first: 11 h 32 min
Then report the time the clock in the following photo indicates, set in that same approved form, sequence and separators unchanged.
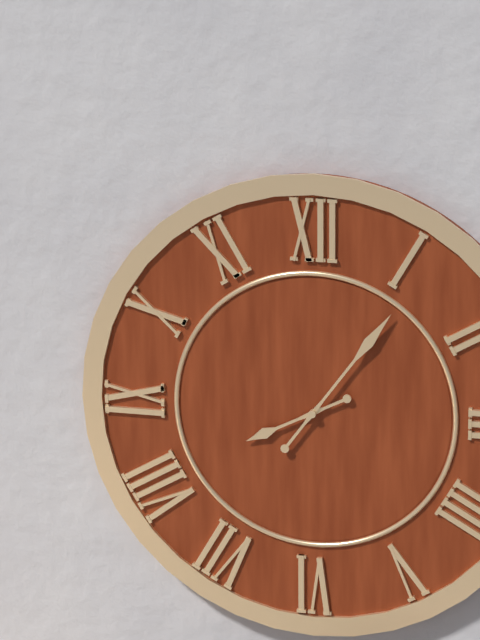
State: 8 h 06 min
